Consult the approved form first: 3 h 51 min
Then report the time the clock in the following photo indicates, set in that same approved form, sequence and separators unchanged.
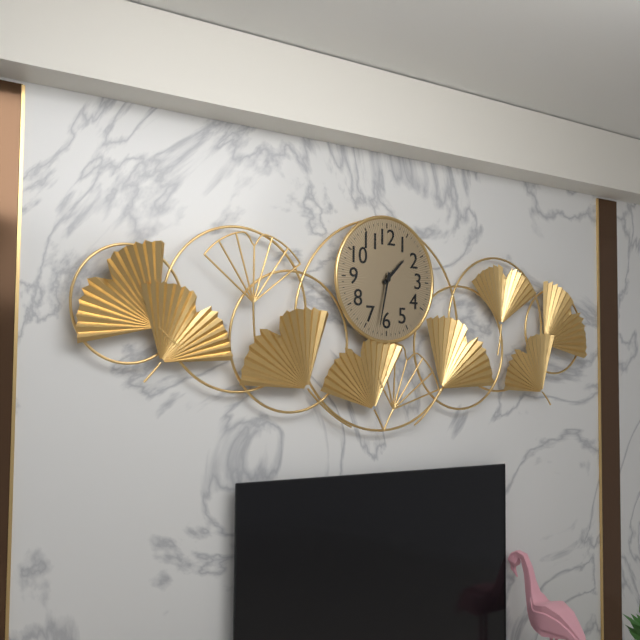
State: 1 h 32 min
